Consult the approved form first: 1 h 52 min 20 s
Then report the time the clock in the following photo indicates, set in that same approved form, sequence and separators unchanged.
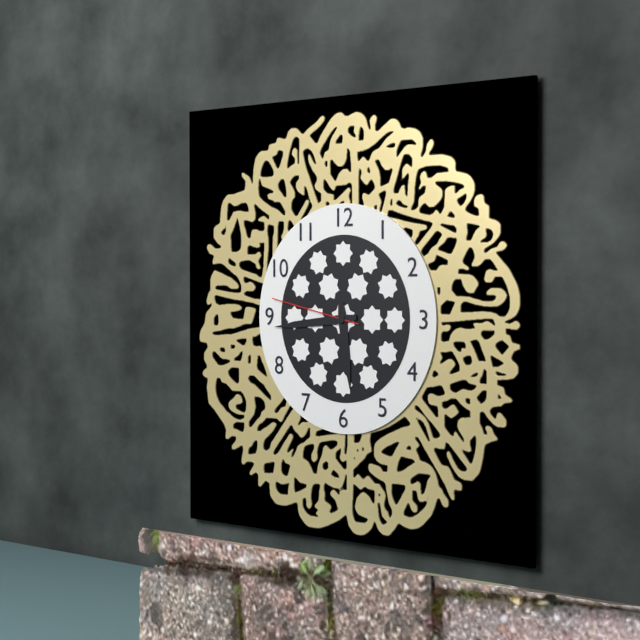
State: 5 h 44 min 47 s
